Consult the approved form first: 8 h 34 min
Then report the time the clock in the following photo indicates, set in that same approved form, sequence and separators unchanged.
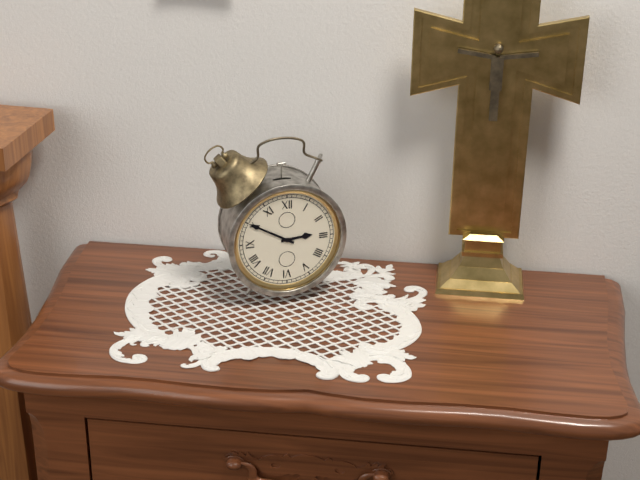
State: 2 h 50 min
